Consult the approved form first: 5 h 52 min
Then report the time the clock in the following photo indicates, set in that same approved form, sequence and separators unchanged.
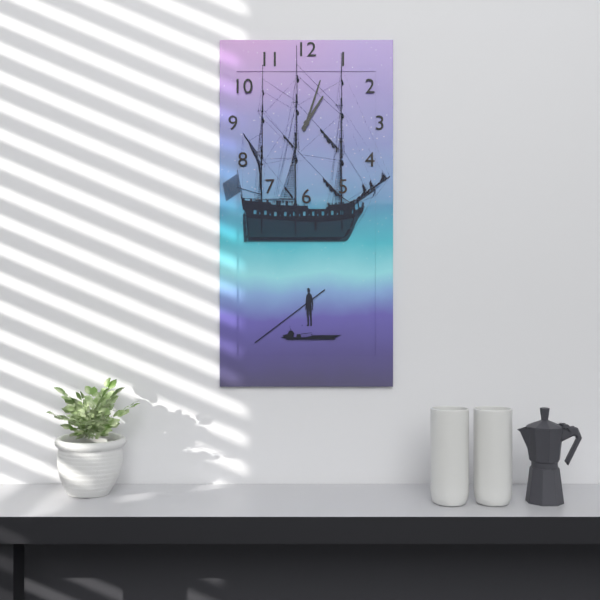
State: 1 h 03 min
